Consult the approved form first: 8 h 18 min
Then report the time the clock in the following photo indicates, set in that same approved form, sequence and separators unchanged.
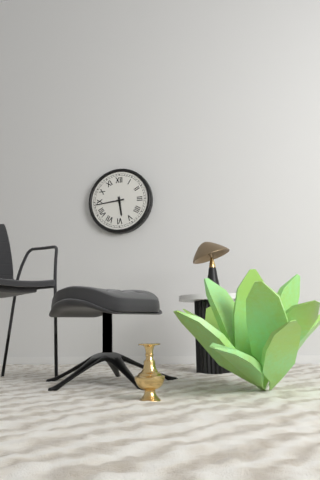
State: 5 h 44 min
